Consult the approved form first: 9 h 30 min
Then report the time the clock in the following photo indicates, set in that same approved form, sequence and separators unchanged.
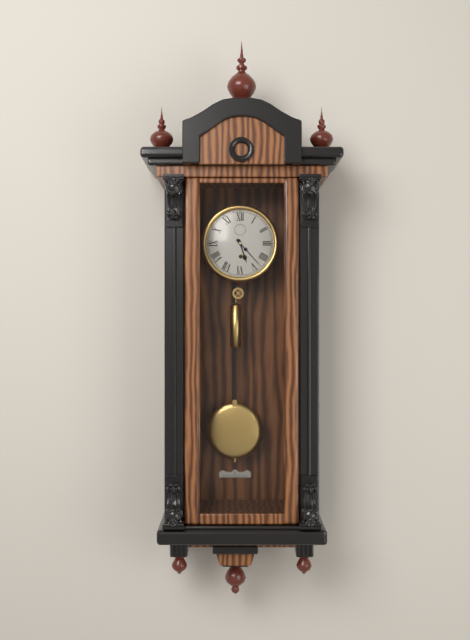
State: 5 h 23 min
